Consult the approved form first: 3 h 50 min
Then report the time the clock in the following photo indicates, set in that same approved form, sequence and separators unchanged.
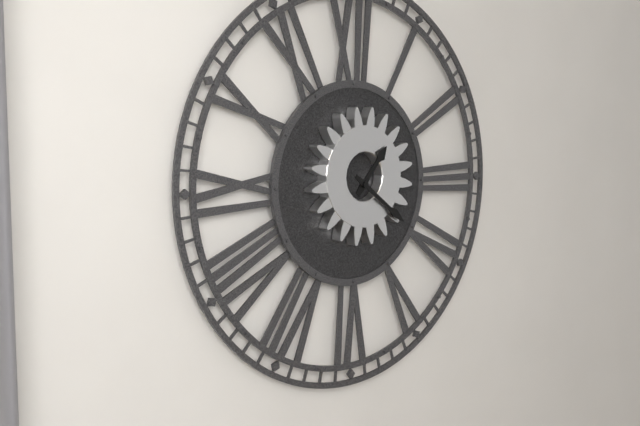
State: 1 h 21 min
